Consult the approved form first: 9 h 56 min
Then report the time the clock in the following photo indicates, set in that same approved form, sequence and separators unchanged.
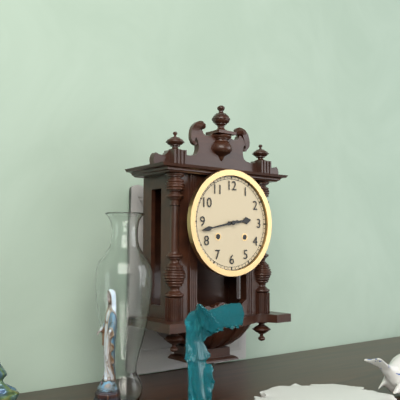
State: 2 h 43 min
